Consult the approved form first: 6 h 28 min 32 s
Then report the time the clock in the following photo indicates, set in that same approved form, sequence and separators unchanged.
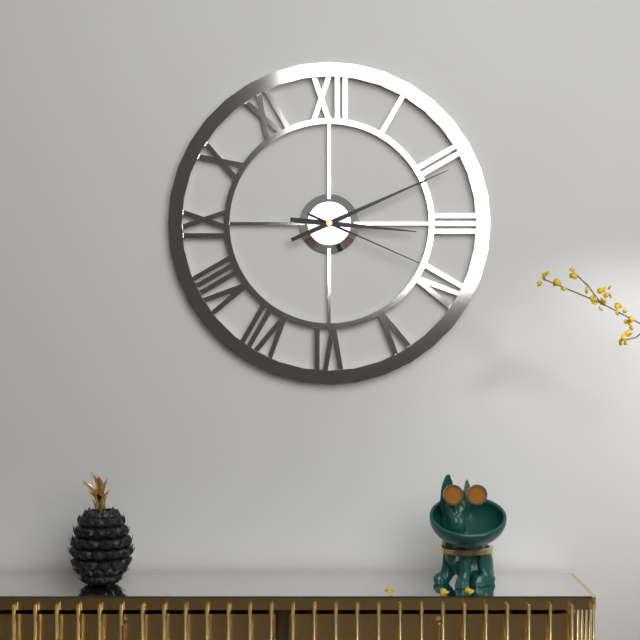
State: 3 h 11 min 19 s
